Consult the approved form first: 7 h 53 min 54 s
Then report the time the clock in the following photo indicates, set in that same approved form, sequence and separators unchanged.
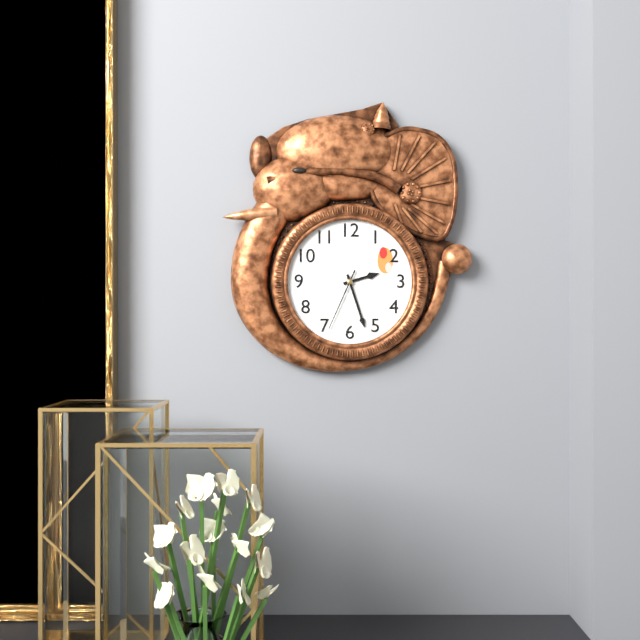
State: 2 h 27 min 34 s
